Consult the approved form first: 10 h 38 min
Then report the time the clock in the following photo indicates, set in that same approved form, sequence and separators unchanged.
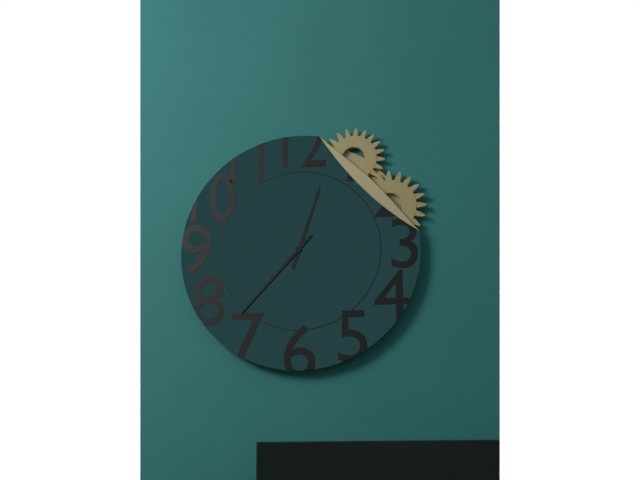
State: 12 h 37 min
